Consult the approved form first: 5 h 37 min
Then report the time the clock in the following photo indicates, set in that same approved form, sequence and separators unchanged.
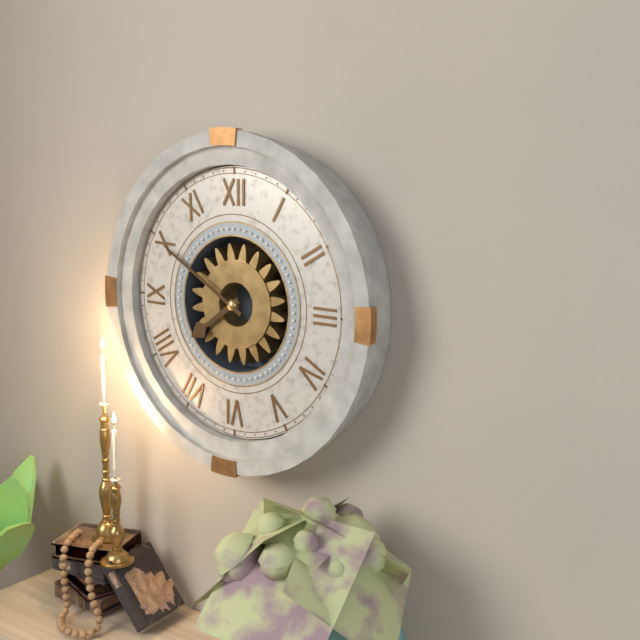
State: 7 h 50 min
